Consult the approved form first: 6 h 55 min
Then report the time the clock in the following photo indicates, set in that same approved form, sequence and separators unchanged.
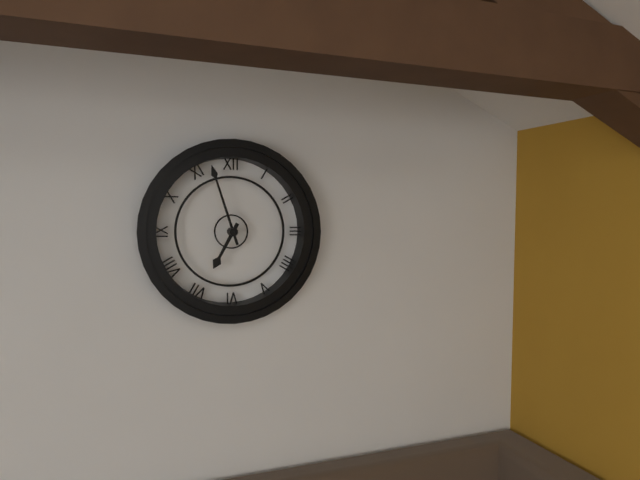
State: 6 h 57 min
